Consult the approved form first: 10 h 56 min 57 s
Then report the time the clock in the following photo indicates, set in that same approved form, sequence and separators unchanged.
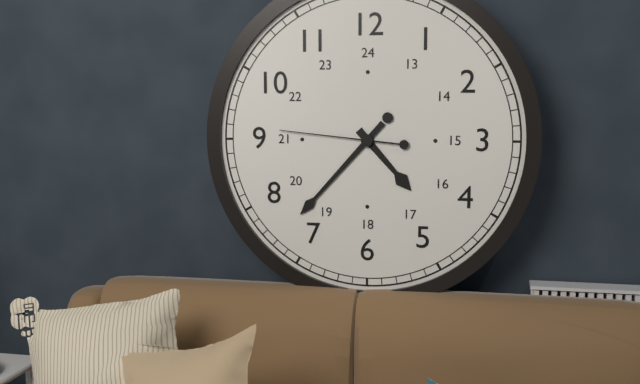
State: 4 h 37 min 46 s
